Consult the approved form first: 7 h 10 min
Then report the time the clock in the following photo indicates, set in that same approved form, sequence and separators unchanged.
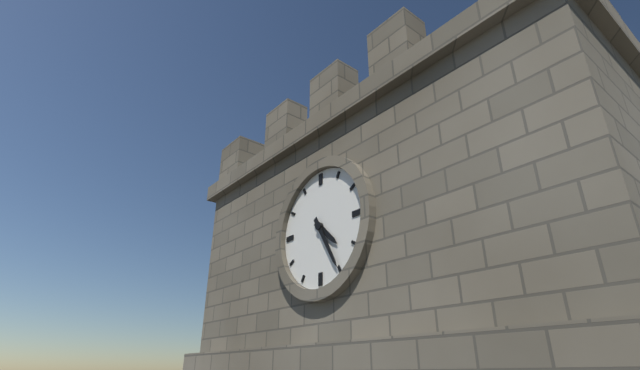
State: 4 h 25 min
